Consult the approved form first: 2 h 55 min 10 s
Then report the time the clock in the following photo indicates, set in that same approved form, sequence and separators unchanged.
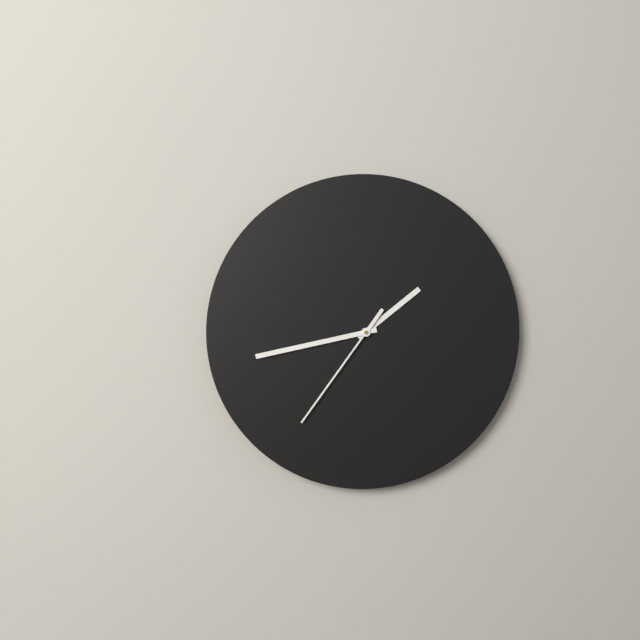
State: 1 h 43 min 36 s
